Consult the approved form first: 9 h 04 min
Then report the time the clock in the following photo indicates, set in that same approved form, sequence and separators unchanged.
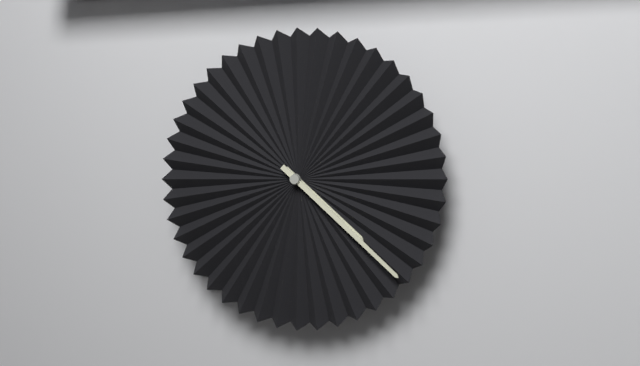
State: 4 h 22 min
